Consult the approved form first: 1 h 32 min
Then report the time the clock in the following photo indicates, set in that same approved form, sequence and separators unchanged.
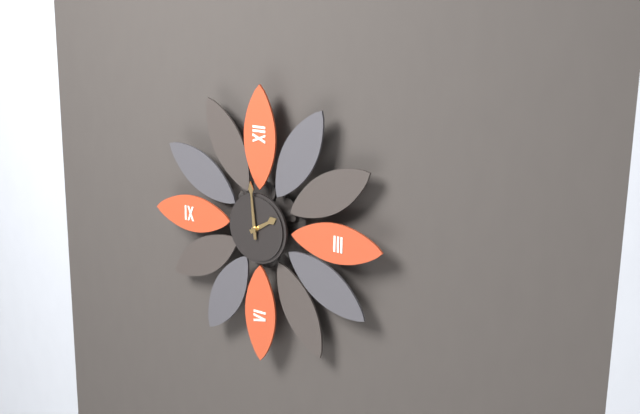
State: 1 h 59 min
